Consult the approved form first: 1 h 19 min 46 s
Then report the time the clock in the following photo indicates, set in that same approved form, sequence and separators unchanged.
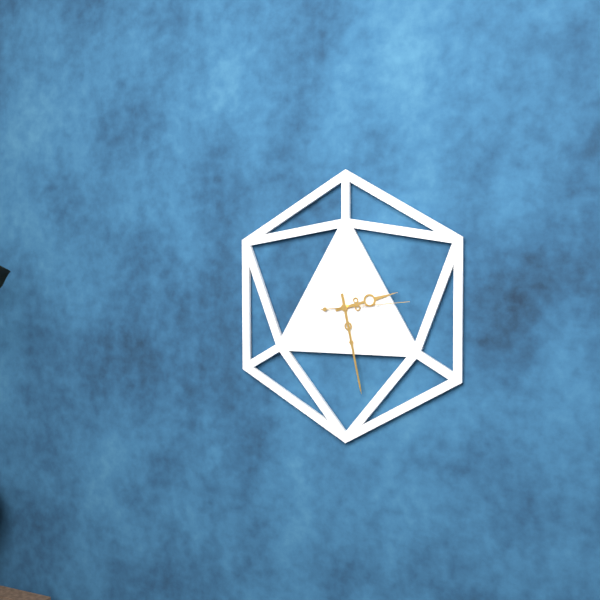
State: 2 h 28 min 14 s
